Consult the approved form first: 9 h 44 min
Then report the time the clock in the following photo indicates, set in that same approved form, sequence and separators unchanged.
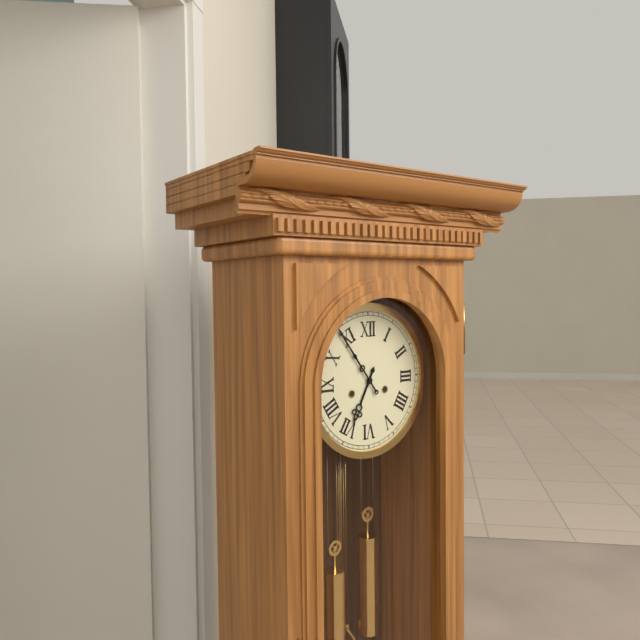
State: 6 h 54 min
